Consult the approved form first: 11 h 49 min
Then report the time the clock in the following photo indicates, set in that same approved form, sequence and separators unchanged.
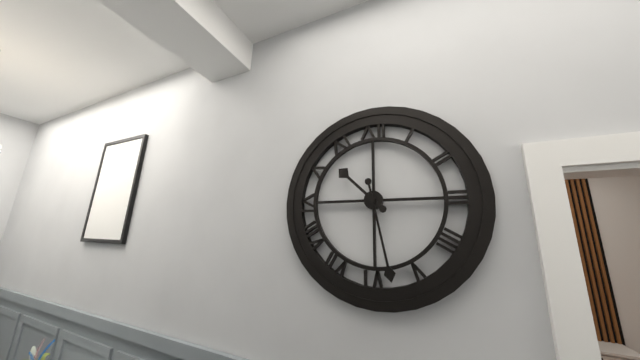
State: 10 h 28 min
